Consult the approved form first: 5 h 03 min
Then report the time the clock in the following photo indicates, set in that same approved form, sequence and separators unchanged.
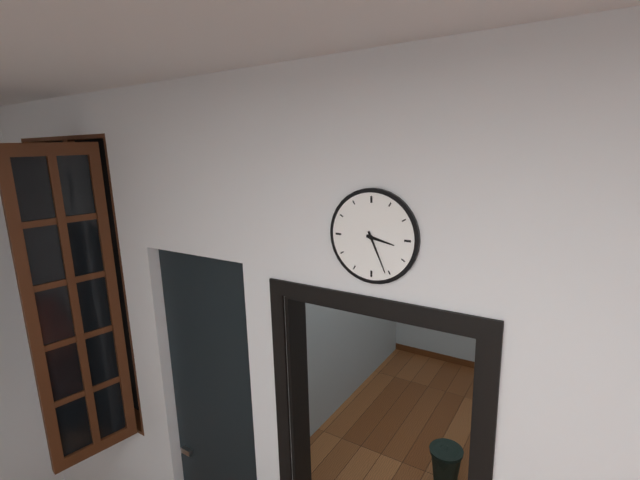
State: 3 h 26 min
